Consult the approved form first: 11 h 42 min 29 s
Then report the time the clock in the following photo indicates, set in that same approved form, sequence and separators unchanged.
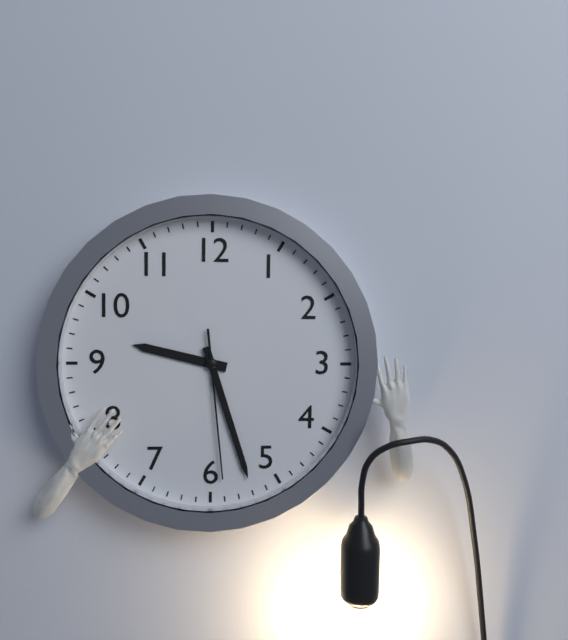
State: 9 h 27 min 29 s
